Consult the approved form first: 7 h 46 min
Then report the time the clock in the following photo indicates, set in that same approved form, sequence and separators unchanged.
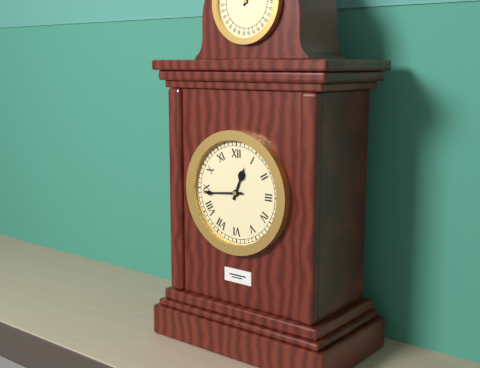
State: 12 h 44 min
